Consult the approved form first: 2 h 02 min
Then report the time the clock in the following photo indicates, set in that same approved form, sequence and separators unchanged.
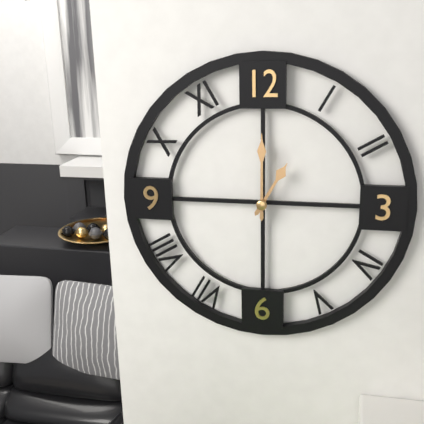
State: 1 h 00 min
